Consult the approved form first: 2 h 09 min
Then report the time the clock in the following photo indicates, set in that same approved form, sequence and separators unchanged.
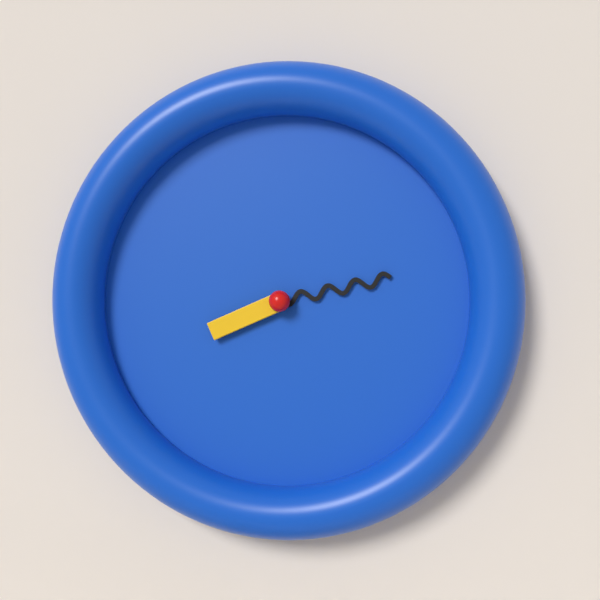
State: 8 h 13 min
